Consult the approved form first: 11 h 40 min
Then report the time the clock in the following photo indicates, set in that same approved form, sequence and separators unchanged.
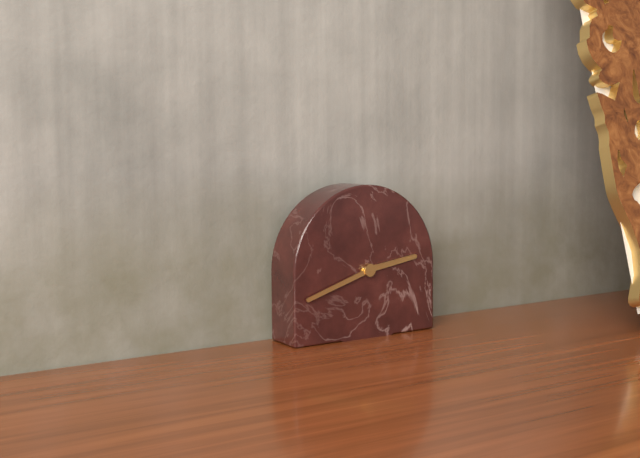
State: 2 h 42 min
